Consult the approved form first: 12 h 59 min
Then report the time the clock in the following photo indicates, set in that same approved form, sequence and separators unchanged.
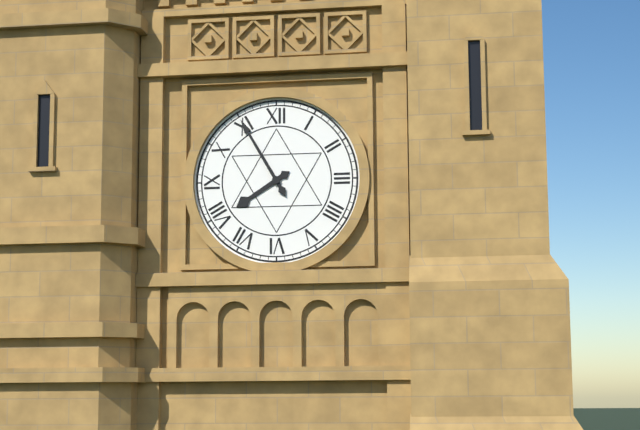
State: 7 h 55 min
